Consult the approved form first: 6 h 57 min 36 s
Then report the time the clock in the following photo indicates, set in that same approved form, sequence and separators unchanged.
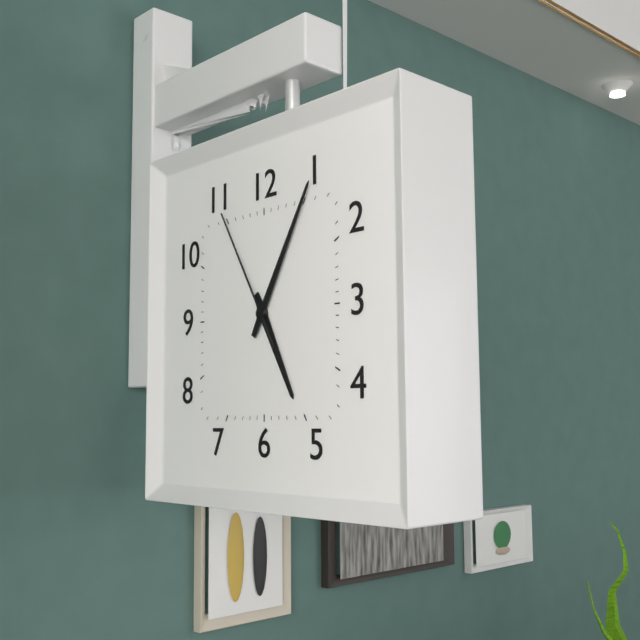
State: 5 h 05 min 55 s
